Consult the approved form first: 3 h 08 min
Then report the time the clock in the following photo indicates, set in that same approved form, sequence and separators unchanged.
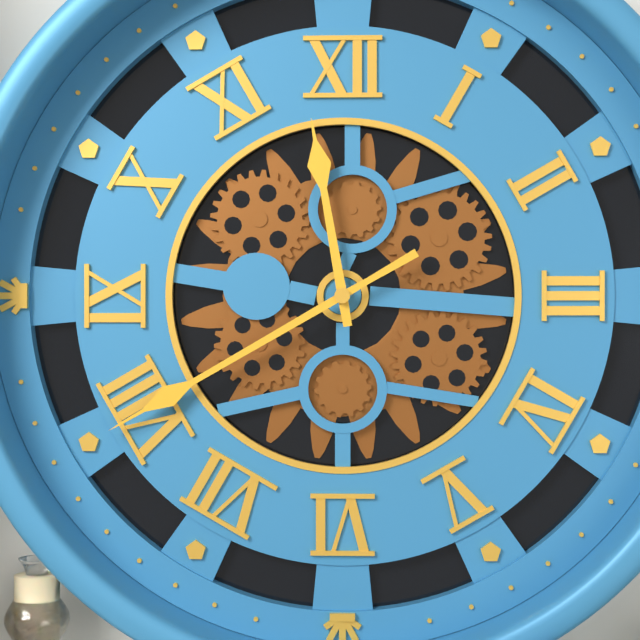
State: 11 h 40 min
